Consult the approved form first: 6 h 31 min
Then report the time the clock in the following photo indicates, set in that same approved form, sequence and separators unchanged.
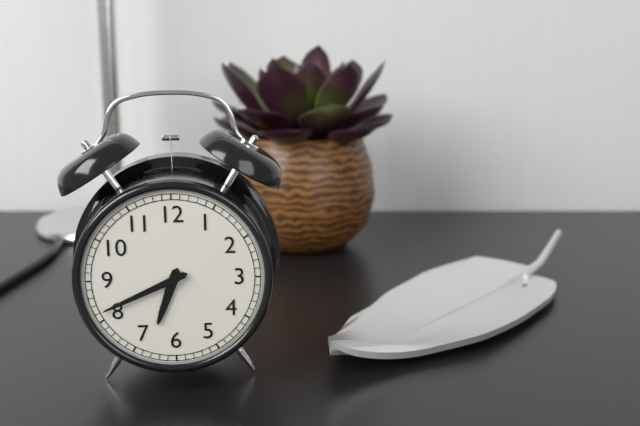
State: 6 h 41 min
